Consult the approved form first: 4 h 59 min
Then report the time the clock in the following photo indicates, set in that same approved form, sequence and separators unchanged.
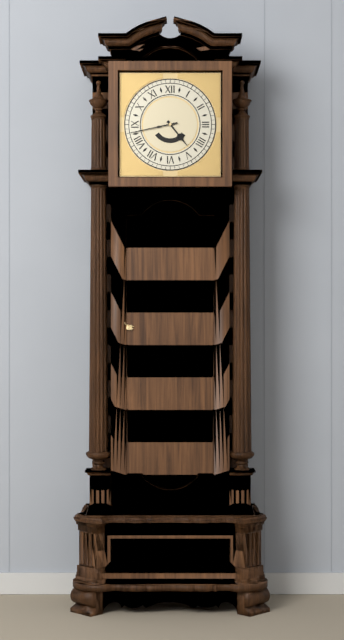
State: 4 h 43 min
